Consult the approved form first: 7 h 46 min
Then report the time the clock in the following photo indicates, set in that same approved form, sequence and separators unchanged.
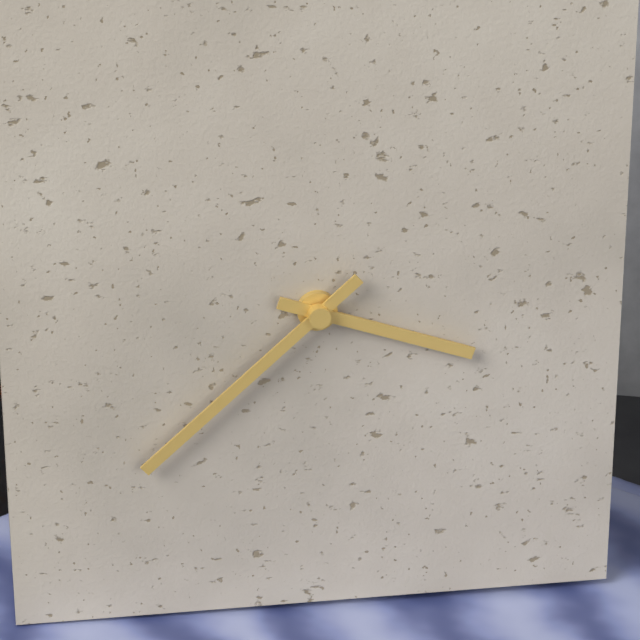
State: 3 h 38 min
